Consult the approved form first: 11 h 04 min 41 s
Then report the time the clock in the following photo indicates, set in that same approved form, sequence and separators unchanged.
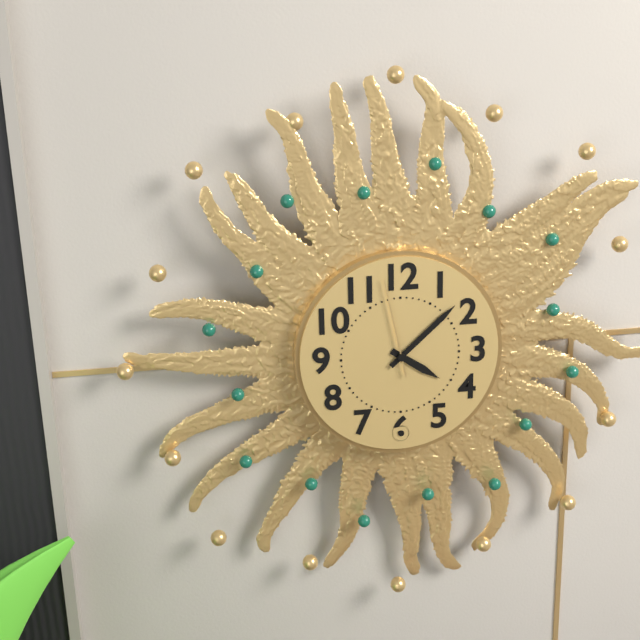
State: 4 h 08 min 58 s
